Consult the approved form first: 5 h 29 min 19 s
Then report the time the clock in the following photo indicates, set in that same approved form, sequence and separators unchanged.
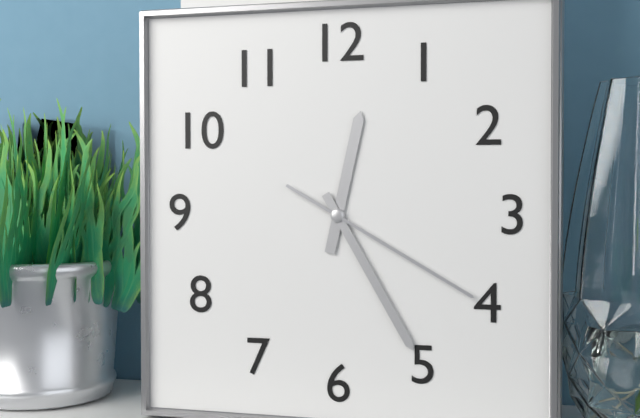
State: 12 h 25 min 20 s
